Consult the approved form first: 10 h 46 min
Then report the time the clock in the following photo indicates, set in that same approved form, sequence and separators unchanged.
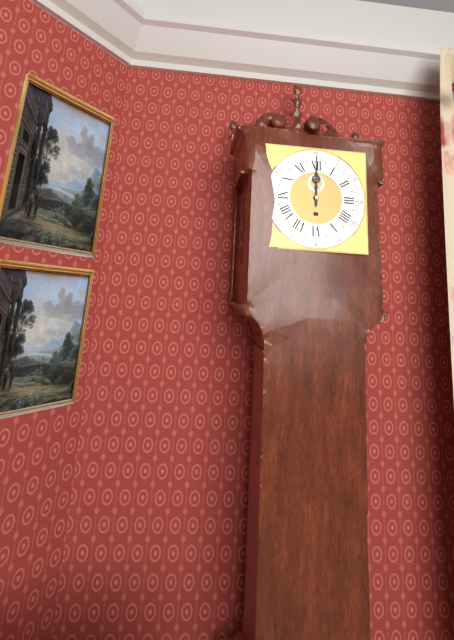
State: 12 h 00 min
